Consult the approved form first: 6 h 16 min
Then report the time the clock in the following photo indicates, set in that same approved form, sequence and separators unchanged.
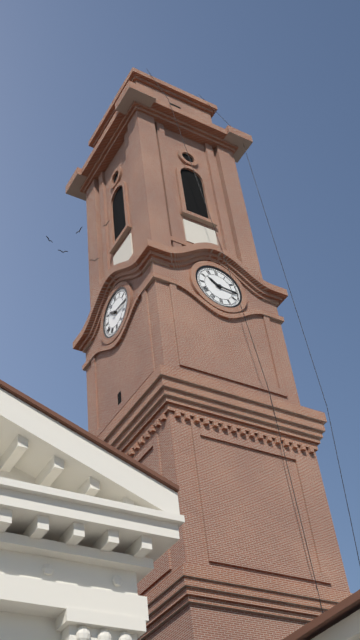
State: 10 h 16 min
